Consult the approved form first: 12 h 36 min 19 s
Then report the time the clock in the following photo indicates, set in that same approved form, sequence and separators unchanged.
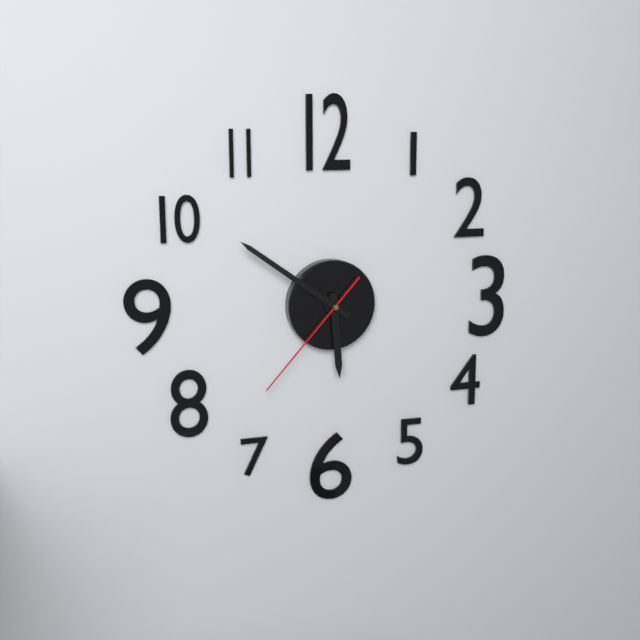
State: 5 h 51 min 37 s
